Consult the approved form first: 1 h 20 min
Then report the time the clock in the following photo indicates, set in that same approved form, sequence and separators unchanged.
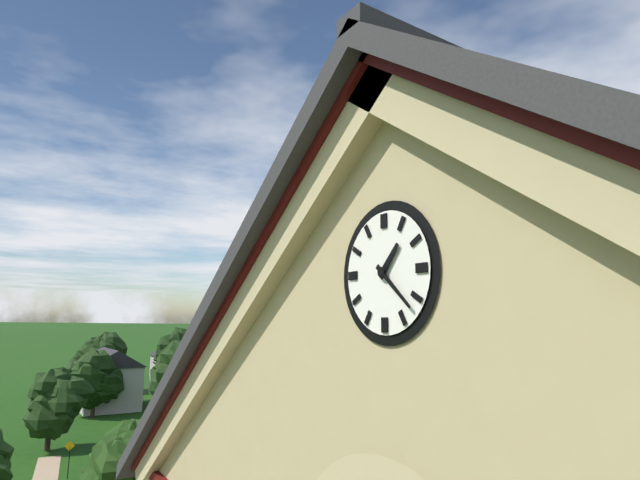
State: 1 h 22 min
